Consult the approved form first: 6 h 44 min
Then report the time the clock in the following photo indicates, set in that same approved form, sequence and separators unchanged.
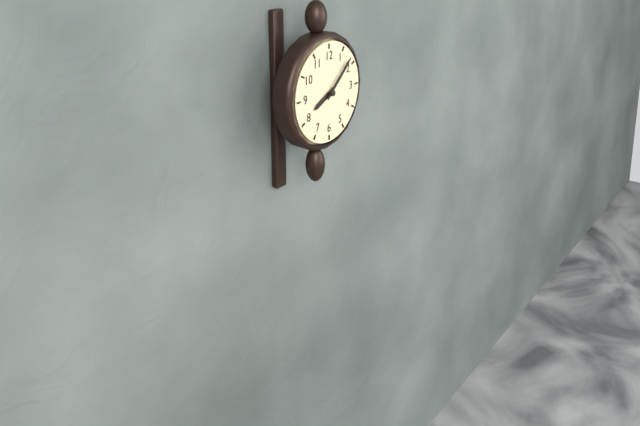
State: 8 h 08 min
